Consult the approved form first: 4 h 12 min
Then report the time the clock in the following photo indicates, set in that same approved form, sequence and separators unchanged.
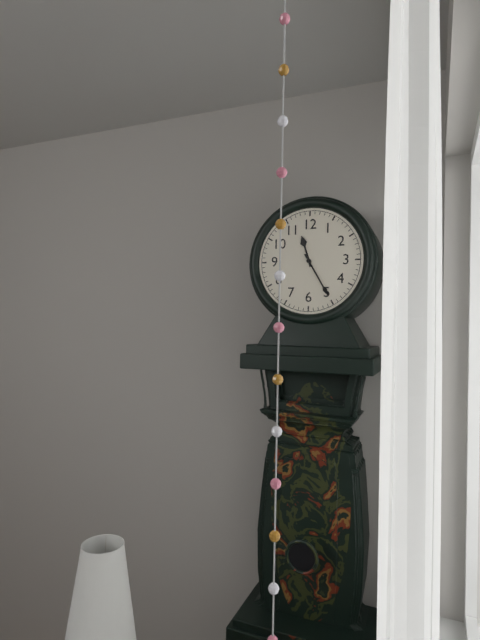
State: 11 h 25 min
